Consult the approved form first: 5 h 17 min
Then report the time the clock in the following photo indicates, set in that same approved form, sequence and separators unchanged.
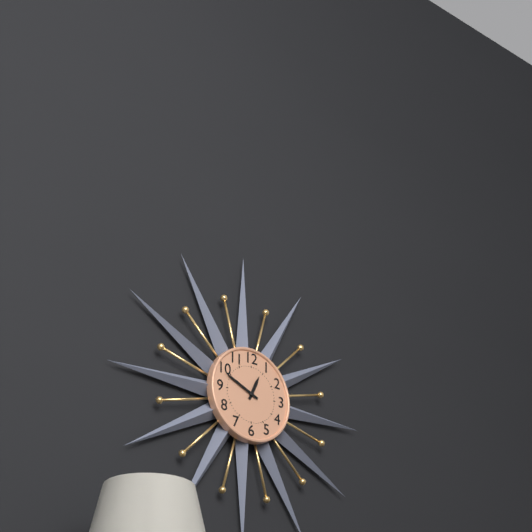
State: 12 h 49 min
